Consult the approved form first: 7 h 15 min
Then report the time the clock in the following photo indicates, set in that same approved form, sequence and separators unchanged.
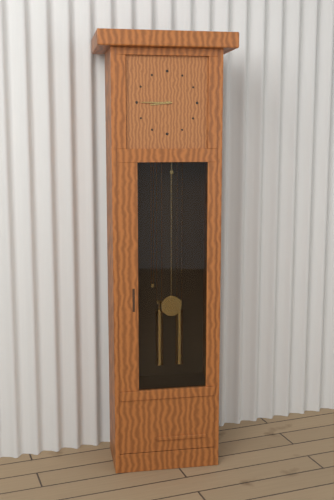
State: 8 h 45 min
